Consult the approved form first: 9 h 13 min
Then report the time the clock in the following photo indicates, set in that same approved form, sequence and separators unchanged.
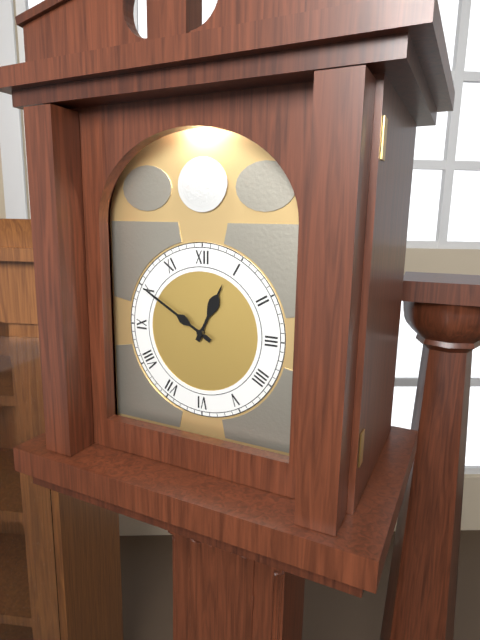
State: 12 h 50 min
